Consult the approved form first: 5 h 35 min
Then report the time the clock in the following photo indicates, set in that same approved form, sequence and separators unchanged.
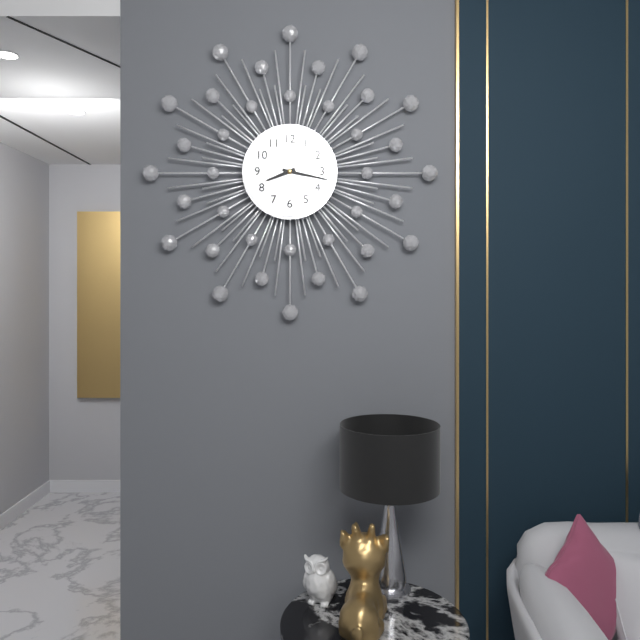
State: 8 h 17 min
